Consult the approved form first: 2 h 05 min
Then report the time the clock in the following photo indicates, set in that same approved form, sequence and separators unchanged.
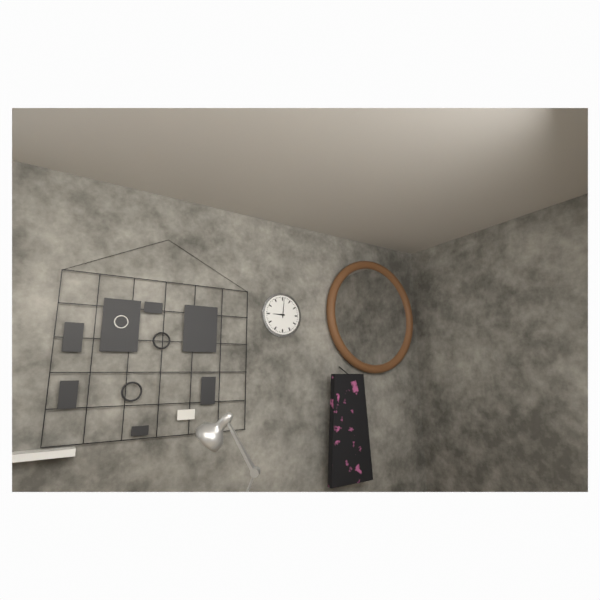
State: 9 h 01 min
